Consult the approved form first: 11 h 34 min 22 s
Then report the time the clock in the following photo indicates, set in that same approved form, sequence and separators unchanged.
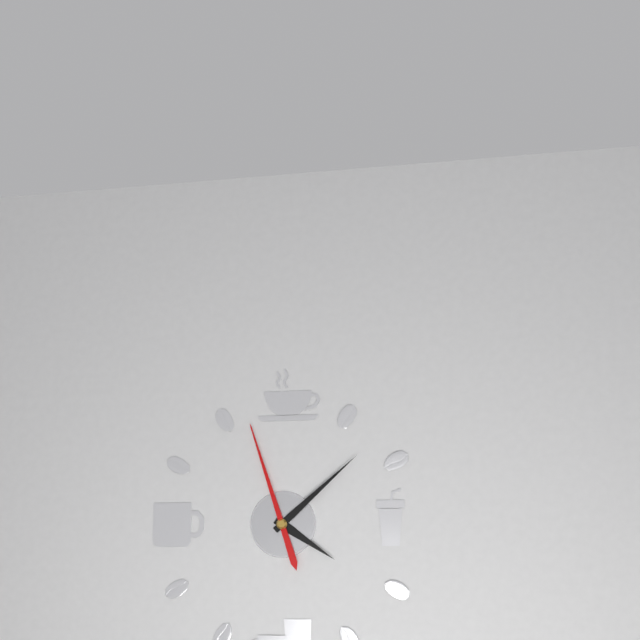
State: 4 h 08 min 57 s
